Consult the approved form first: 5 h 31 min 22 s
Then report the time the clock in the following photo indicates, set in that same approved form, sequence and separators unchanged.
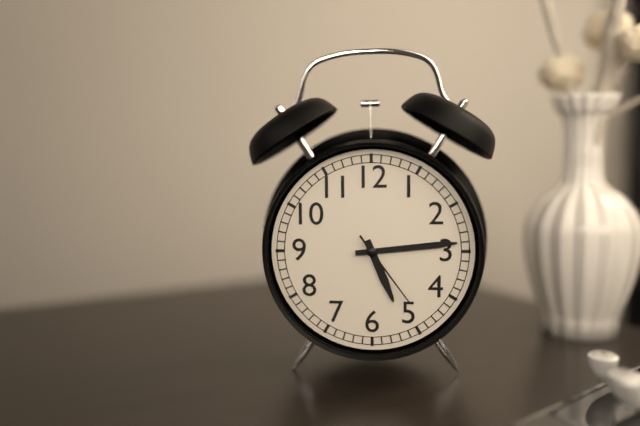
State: 5 h 14 min 24 s
